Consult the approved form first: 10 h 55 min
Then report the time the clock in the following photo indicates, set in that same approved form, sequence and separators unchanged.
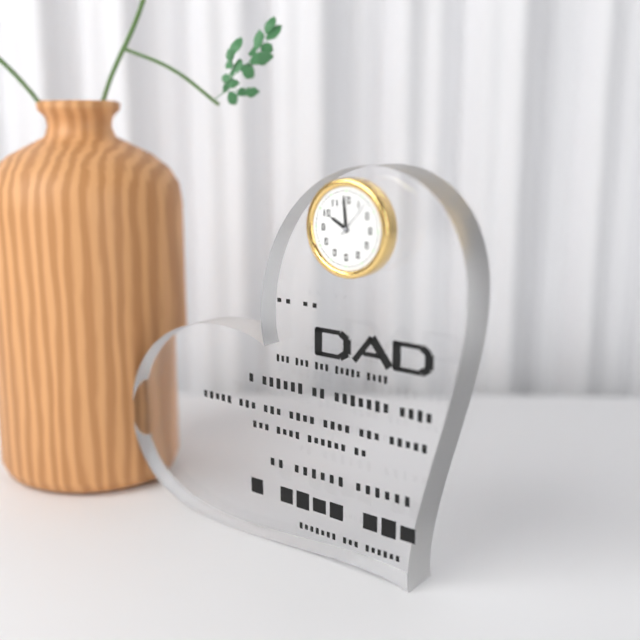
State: 9 h 59 min
